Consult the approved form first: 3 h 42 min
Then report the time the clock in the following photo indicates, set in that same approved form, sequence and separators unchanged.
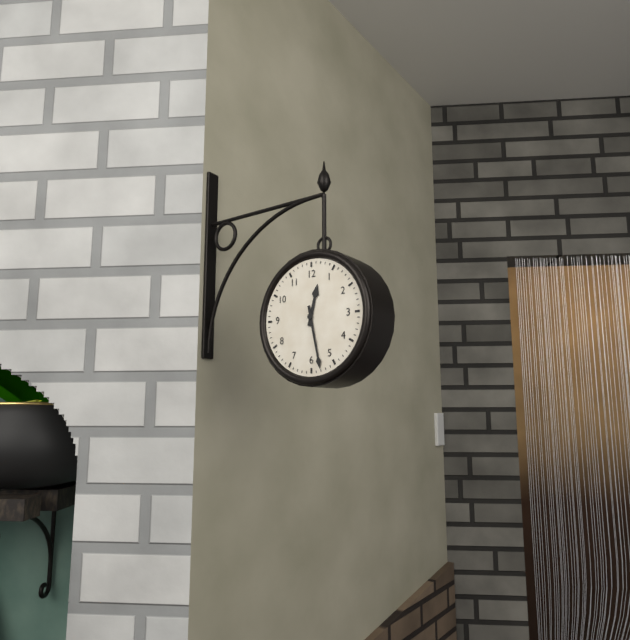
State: 12 h 28 min
